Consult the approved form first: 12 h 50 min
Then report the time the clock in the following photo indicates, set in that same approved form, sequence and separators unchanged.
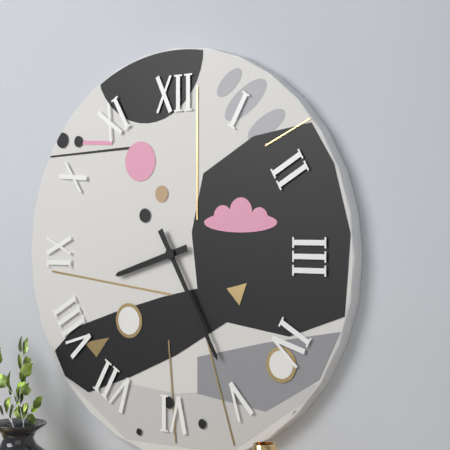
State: 8 h 25 min
